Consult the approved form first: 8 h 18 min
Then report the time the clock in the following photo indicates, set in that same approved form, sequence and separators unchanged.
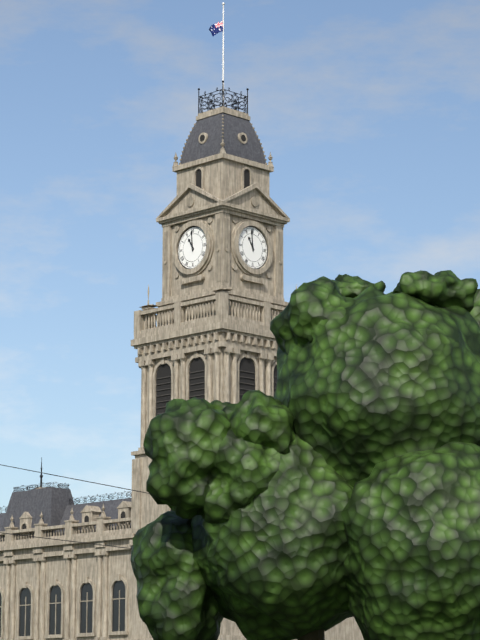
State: 10 h 59 min
